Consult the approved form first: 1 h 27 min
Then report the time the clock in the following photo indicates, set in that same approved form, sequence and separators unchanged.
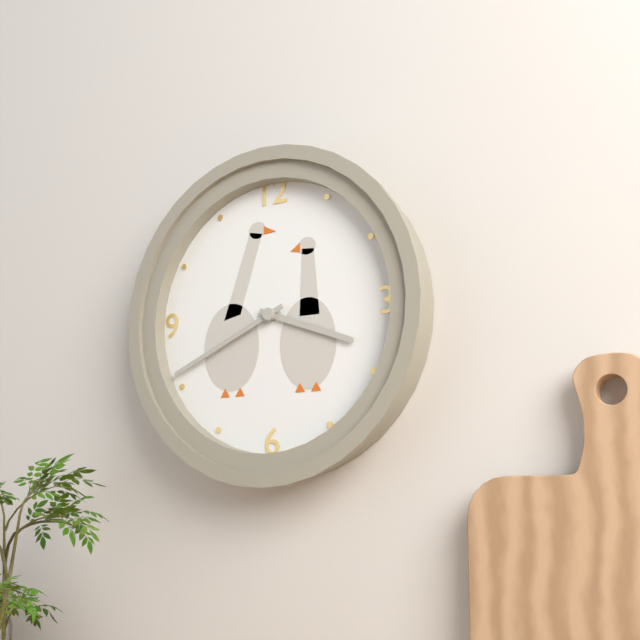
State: 3 h 41 min
